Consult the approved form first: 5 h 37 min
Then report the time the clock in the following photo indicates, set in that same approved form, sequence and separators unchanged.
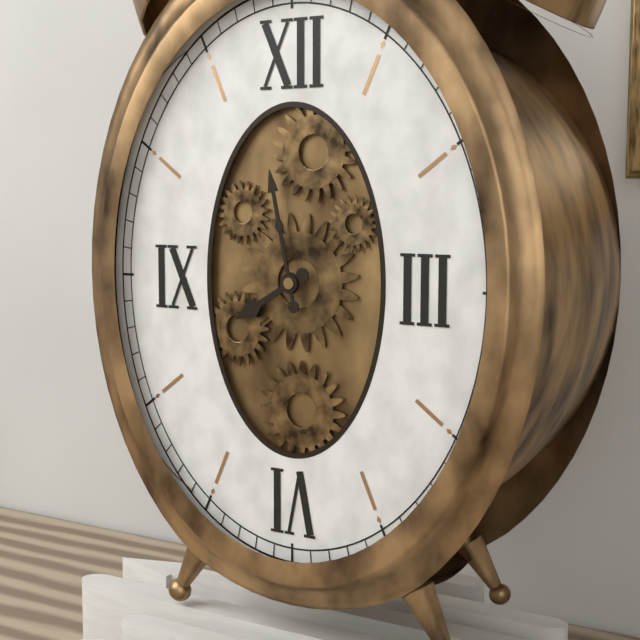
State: 7 h 58 min
